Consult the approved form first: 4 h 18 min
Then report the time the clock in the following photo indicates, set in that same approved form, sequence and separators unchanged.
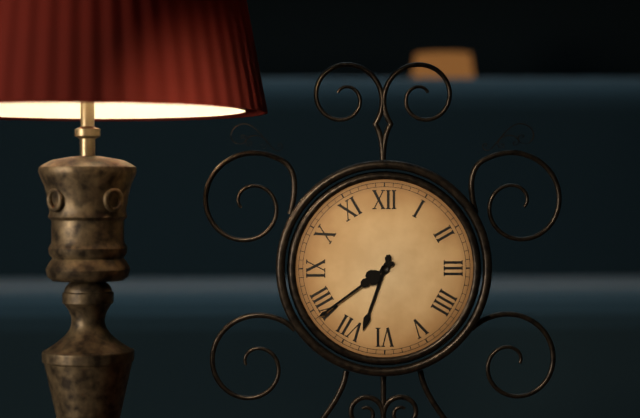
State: 6 h 39 min
